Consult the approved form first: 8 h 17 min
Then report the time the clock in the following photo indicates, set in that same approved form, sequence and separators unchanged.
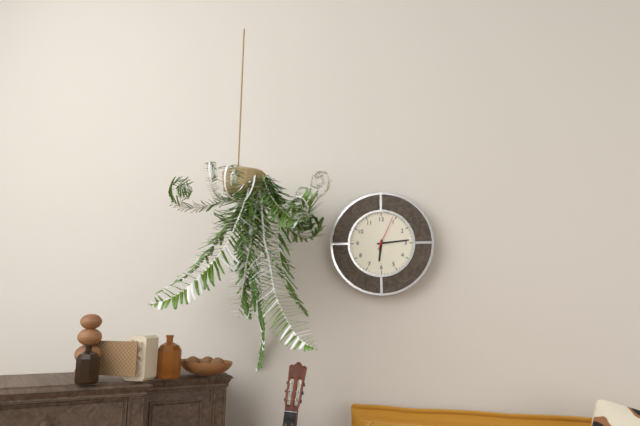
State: 6 h 14 min
